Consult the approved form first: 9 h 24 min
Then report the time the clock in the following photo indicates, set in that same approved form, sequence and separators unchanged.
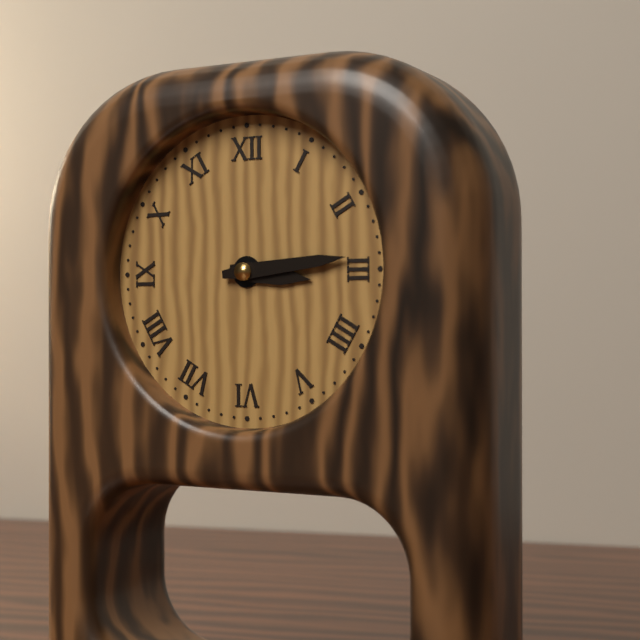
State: 3 h 14 min
